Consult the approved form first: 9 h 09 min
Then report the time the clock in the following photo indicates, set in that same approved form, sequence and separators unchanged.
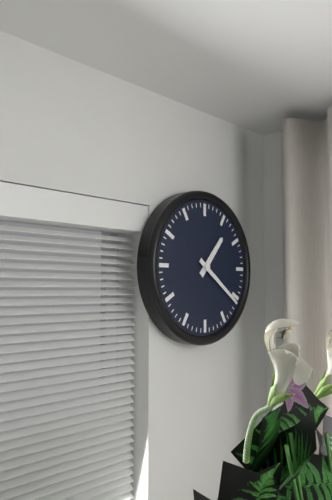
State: 1 h 21 min
